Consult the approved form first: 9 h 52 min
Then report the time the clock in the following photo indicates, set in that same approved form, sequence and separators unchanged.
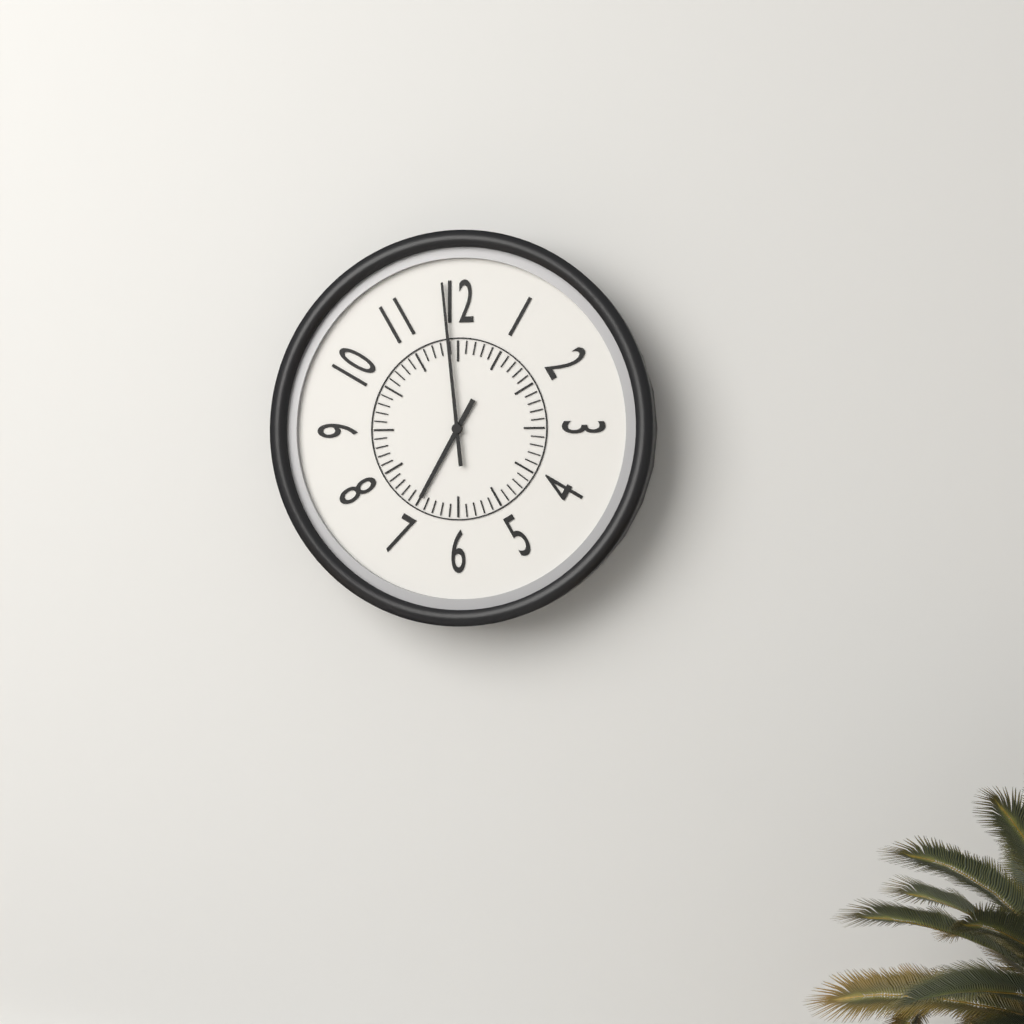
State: 6 h 59 min
